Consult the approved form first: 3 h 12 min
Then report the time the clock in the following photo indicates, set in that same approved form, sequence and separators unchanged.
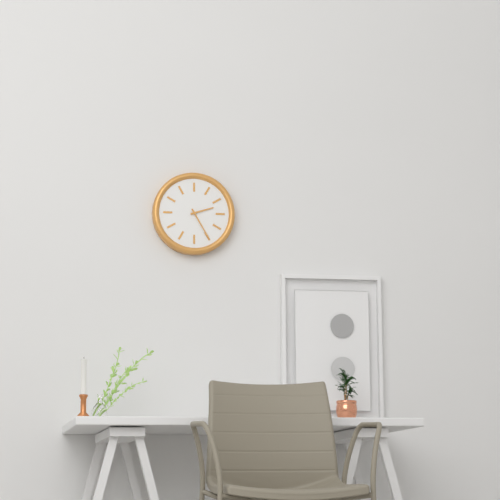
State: 2 h 25 min
